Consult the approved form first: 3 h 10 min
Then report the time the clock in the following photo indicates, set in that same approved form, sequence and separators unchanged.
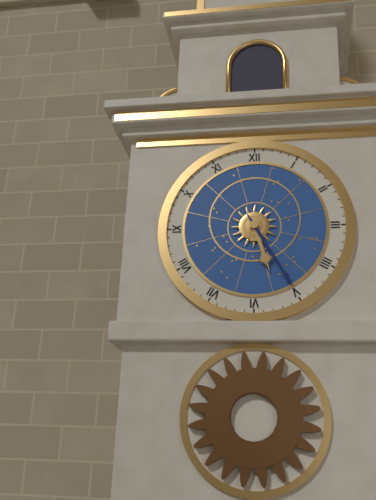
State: 5 h 25 min
